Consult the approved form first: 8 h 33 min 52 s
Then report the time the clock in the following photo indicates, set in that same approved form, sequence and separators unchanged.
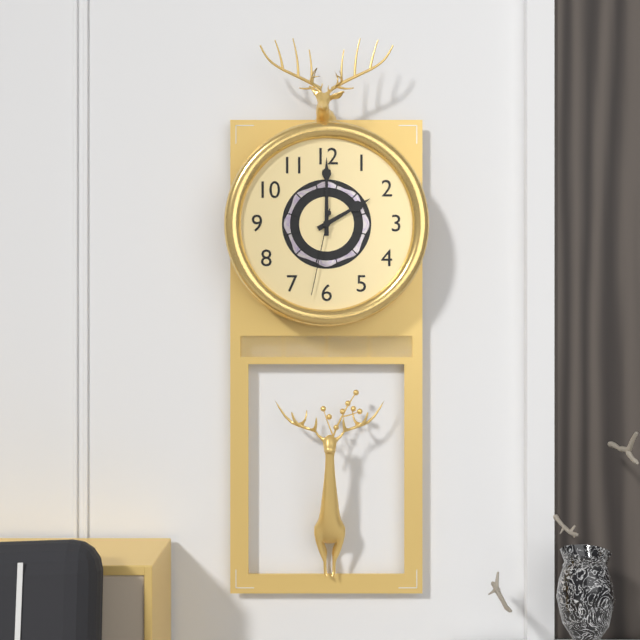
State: 2 h 00 min 32 s
